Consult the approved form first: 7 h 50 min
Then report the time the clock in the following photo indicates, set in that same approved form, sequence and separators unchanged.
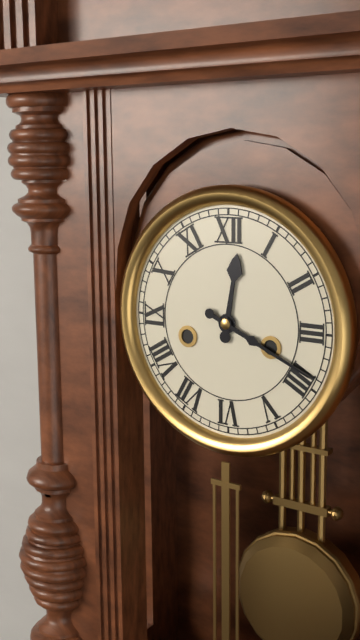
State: 12 h 19 min
